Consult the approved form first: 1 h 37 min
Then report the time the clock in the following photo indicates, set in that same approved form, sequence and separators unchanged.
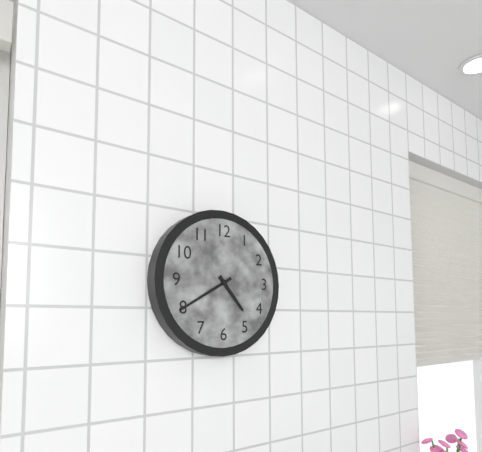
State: 4 h 40 min
